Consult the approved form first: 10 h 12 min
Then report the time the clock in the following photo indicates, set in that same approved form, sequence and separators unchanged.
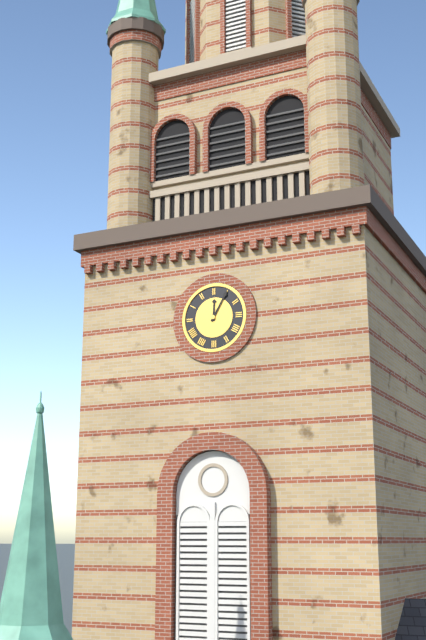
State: 12 h 05 min
